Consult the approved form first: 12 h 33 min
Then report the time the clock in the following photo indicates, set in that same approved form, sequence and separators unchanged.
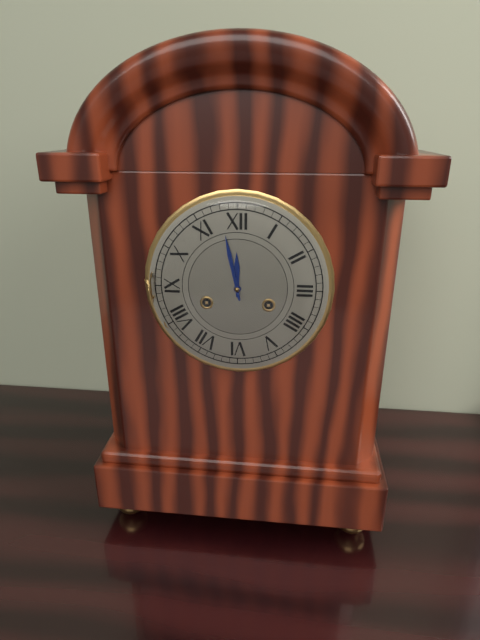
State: 11 h 58 min
